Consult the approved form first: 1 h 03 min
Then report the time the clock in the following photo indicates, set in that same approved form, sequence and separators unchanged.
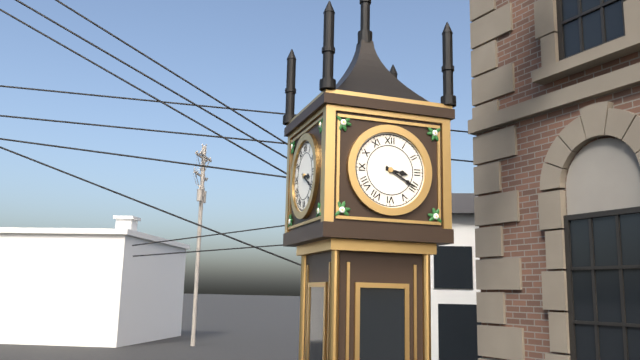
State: 3 h 20 min
